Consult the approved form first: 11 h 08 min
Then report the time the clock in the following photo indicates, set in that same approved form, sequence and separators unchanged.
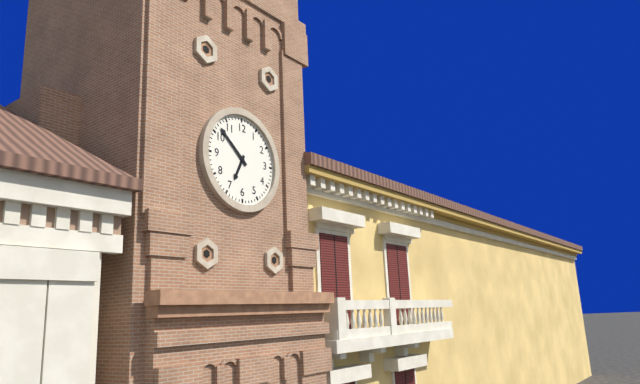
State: 6 h 52 min
